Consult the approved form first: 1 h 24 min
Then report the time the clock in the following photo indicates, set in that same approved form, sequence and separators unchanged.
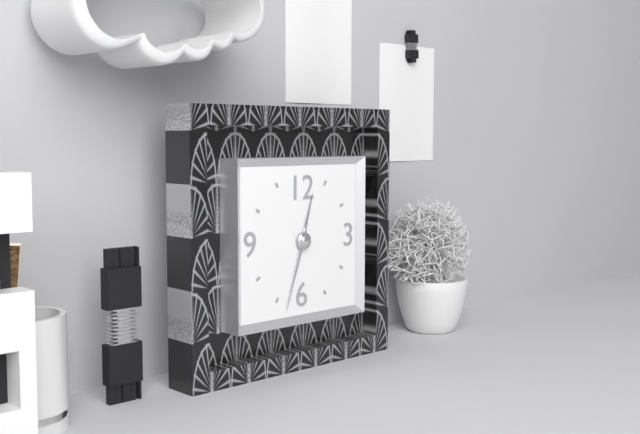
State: 12 h 33 min
